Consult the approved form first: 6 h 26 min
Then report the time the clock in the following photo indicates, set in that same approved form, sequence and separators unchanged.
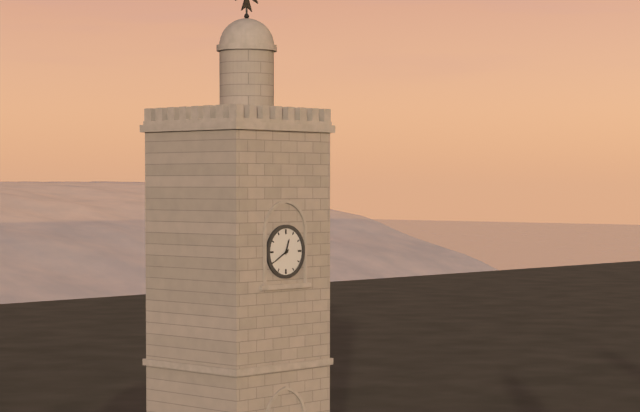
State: 12 h 40 min
